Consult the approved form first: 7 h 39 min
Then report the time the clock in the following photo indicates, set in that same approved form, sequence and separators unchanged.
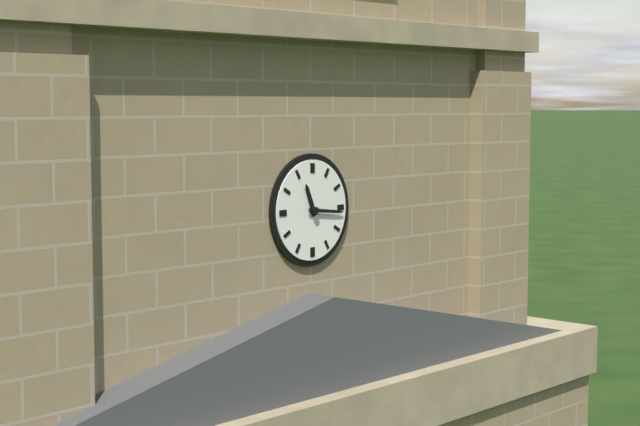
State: 11 h 16 min
